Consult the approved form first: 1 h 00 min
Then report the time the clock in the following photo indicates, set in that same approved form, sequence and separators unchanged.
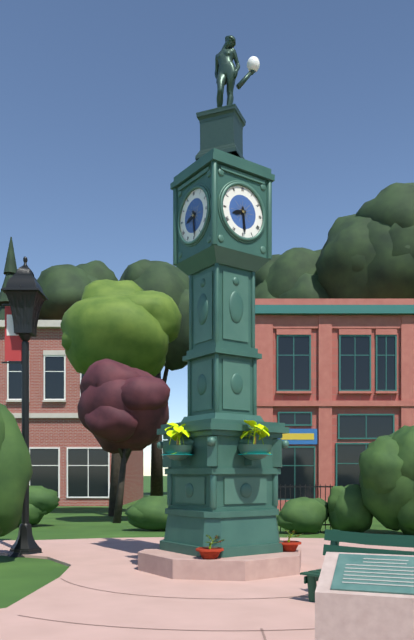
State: 8 h 29 min
